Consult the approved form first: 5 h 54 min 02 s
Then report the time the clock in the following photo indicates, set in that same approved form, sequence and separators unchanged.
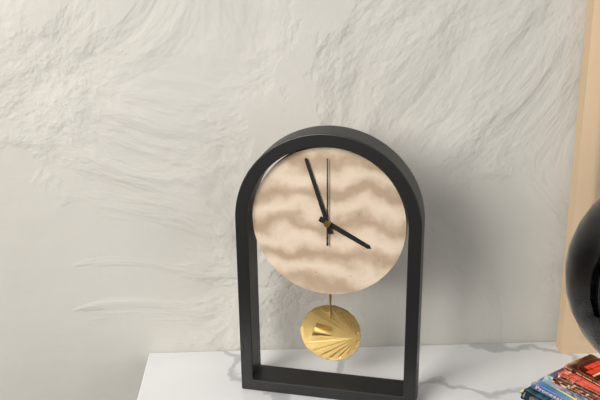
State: 3 h 57 min 00 s
